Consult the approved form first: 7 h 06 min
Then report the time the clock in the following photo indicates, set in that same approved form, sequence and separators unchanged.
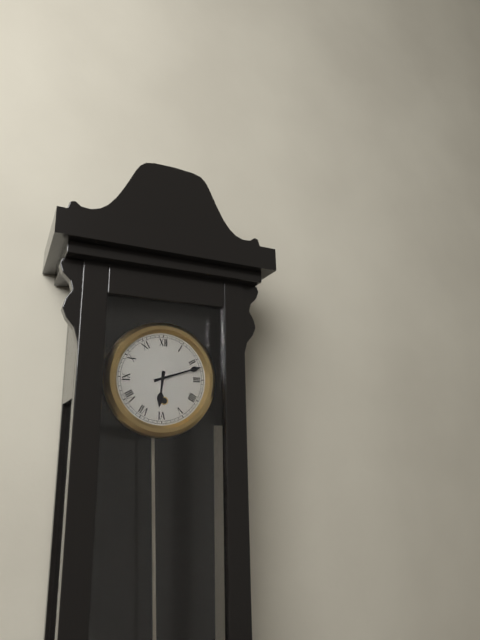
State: 6 h 12 min
